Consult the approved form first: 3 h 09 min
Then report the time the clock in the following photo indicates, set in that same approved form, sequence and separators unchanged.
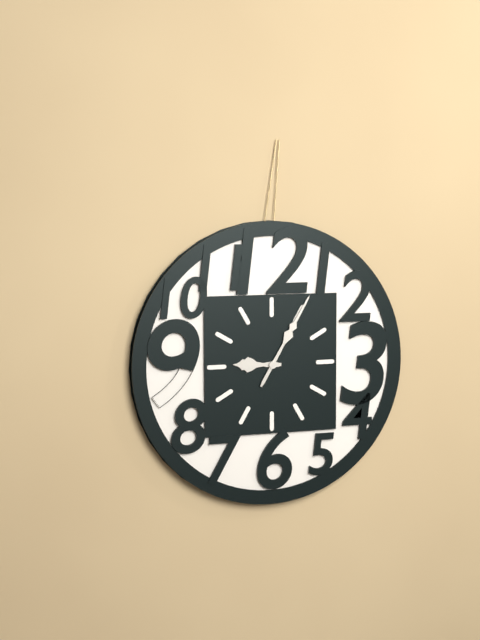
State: 9 h 05 min
